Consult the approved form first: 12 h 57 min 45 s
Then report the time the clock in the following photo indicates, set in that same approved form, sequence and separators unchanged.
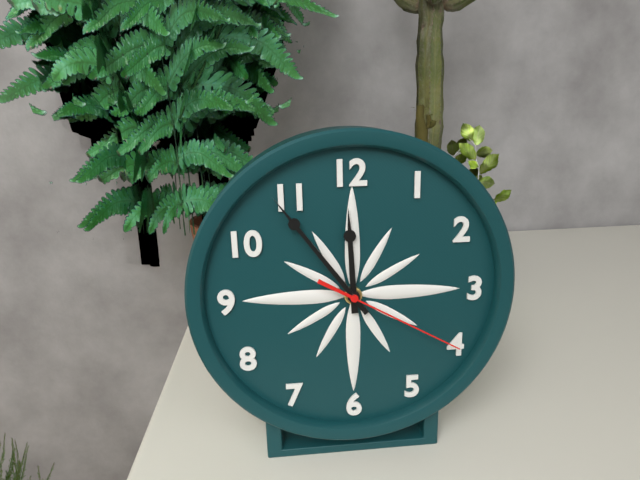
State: 11 h 54 min 20 s
